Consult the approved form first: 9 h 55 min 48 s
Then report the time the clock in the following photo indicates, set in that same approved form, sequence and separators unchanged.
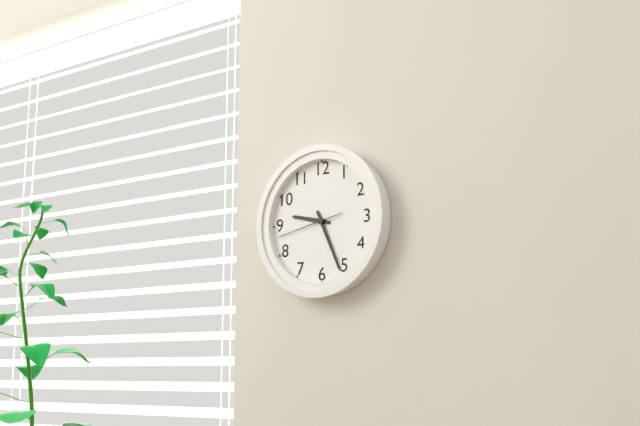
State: 9 h 26 min 43 s
